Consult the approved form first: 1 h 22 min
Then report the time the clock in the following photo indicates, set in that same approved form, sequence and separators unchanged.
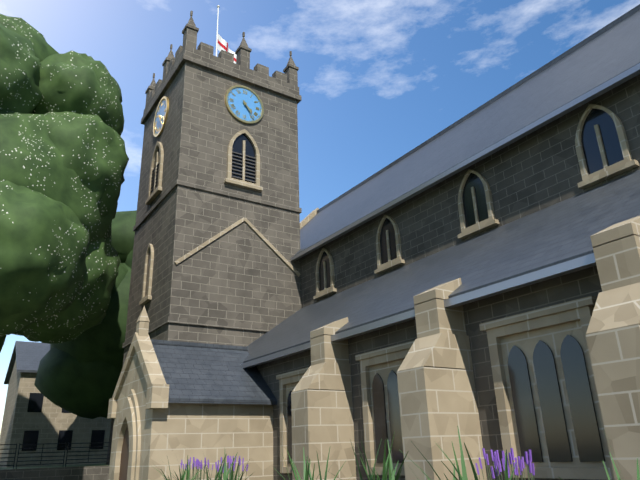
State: 4 h 24 min
